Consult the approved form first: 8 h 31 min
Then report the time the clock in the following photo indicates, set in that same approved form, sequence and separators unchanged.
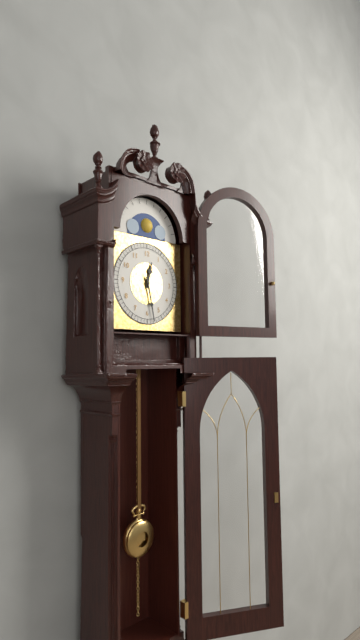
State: 12 h 28 min
